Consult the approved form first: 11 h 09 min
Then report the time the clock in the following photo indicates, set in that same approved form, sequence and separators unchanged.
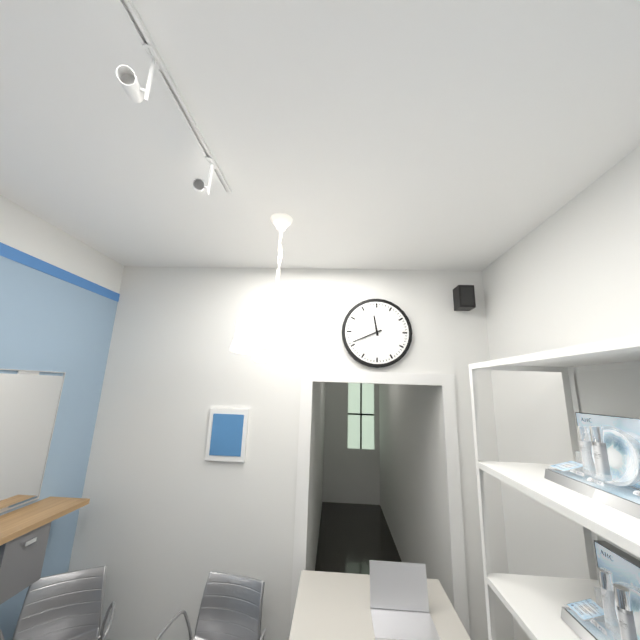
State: 11 h 41 min
